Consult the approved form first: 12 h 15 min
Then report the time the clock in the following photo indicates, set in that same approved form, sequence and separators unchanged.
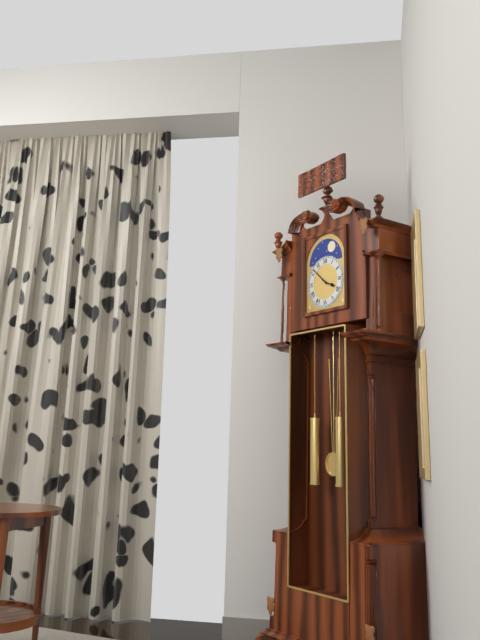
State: 3 h 52 min
